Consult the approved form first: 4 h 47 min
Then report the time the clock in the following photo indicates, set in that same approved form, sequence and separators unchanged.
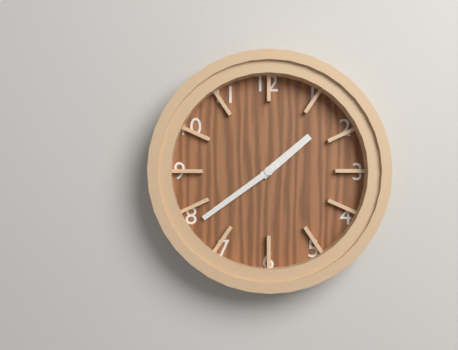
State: 1 h 39 min
